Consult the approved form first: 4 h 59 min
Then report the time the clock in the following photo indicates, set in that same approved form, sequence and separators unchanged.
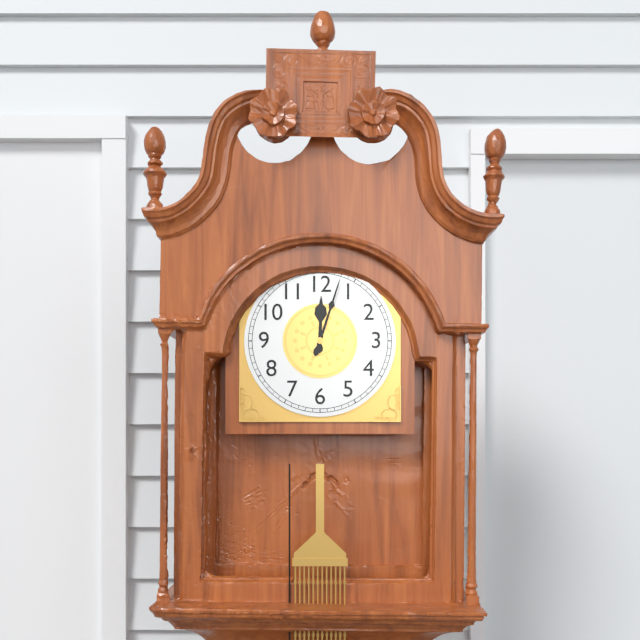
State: 12 h 03 min
